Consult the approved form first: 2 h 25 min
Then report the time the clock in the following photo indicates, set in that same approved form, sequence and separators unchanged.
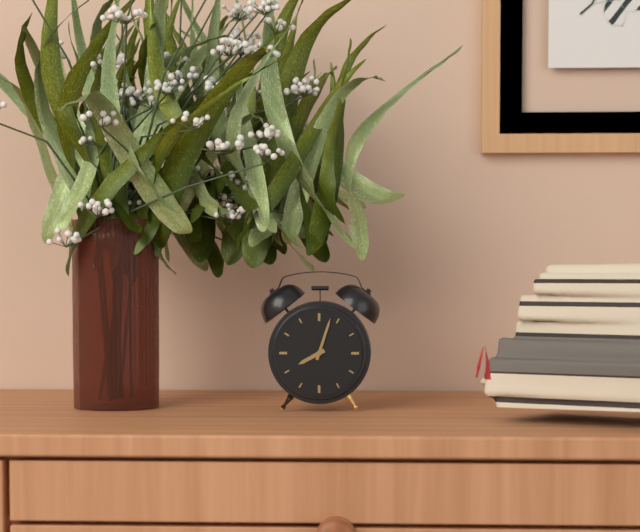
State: 8 h 03 min
